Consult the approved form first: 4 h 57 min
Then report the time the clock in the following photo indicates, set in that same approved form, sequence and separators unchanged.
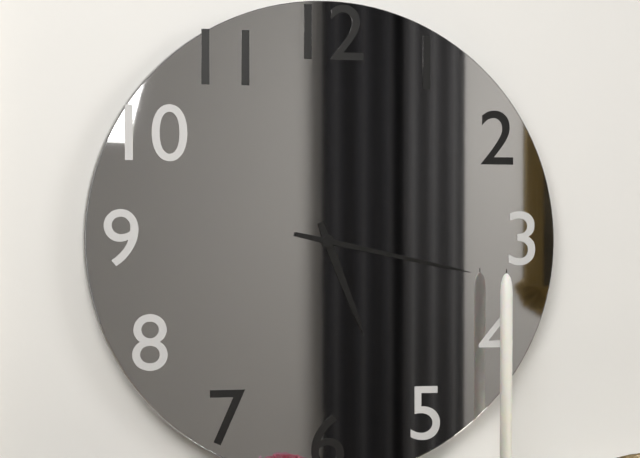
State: 5 h 17 min
